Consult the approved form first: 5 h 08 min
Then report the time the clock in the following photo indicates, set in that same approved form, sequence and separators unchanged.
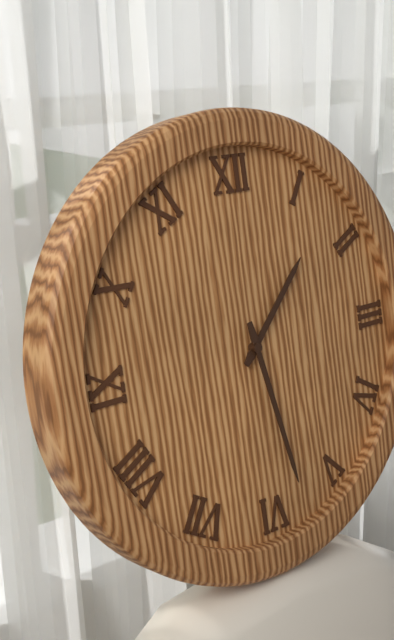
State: 1 h 28 min
